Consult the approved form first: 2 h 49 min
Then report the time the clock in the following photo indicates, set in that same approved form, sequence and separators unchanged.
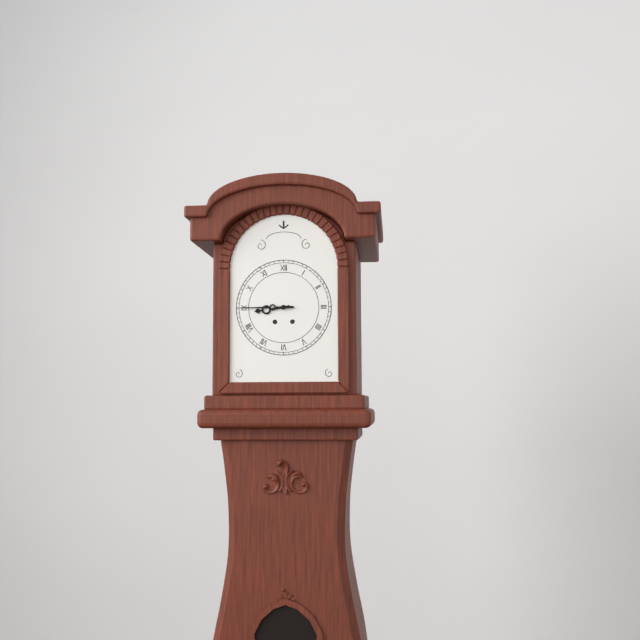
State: 8 h 45 min
